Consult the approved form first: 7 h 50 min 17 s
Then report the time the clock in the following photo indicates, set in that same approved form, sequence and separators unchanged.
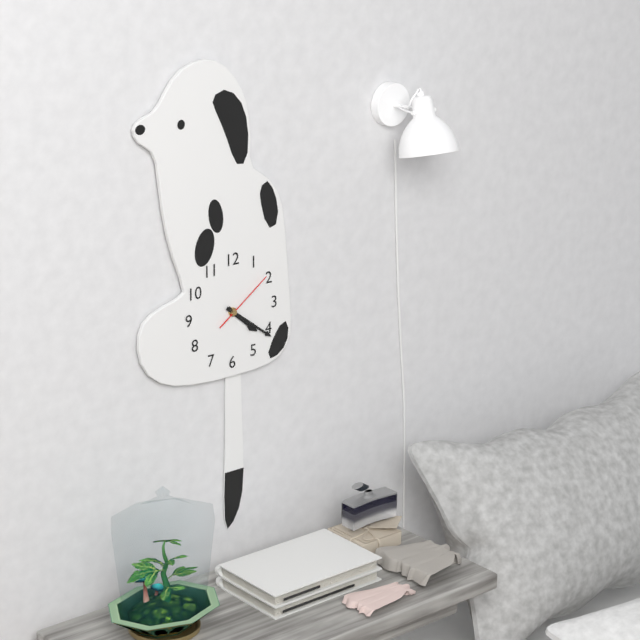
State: 4 h 21 min 09 s
